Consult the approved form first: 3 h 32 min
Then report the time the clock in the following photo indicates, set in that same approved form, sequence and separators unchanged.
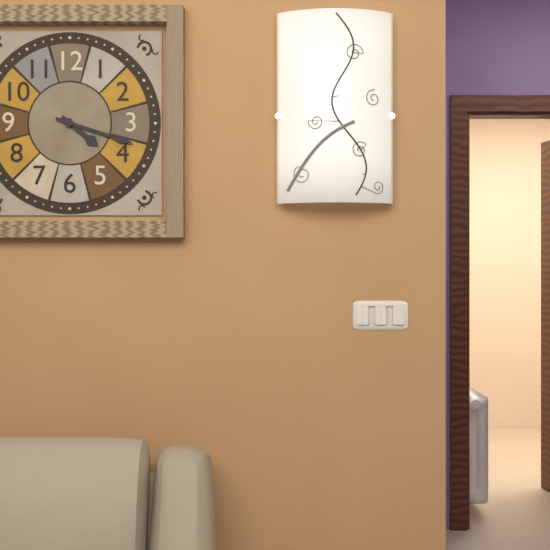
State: 4 h 18 min
